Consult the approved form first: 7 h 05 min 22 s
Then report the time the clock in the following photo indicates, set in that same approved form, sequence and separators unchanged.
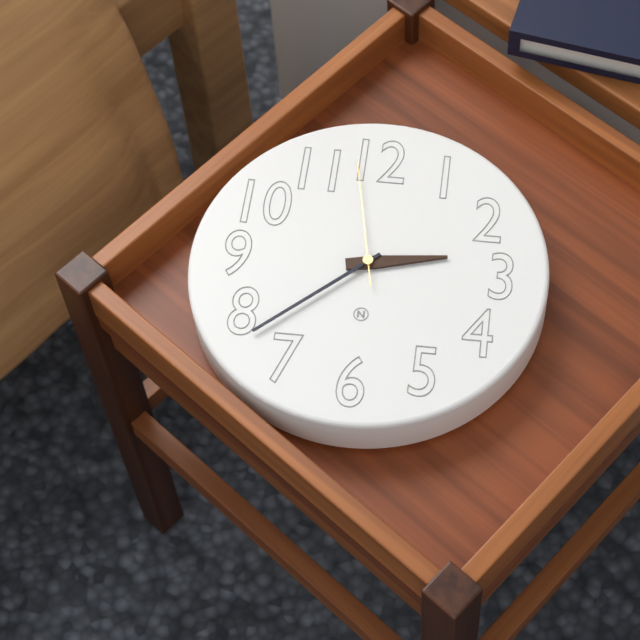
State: 2 h 38 min 58 s
